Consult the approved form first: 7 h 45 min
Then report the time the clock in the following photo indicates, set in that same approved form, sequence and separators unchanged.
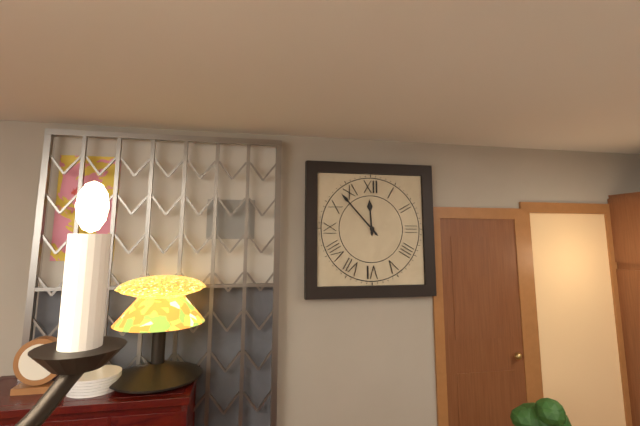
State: 11 h 53 min
